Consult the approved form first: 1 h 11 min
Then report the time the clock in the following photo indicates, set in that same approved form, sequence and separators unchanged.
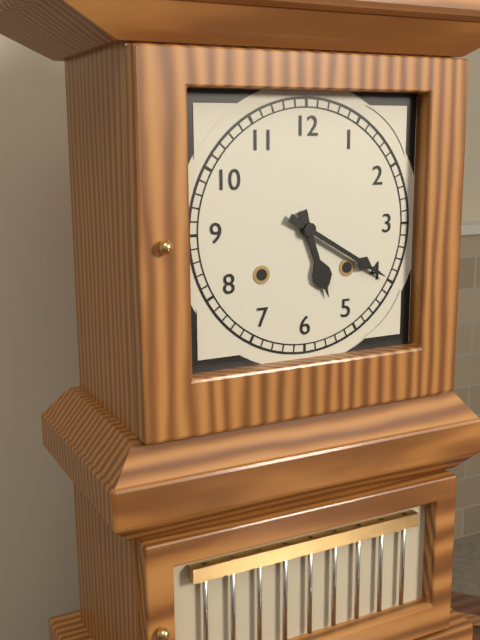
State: 5 h 20 min
